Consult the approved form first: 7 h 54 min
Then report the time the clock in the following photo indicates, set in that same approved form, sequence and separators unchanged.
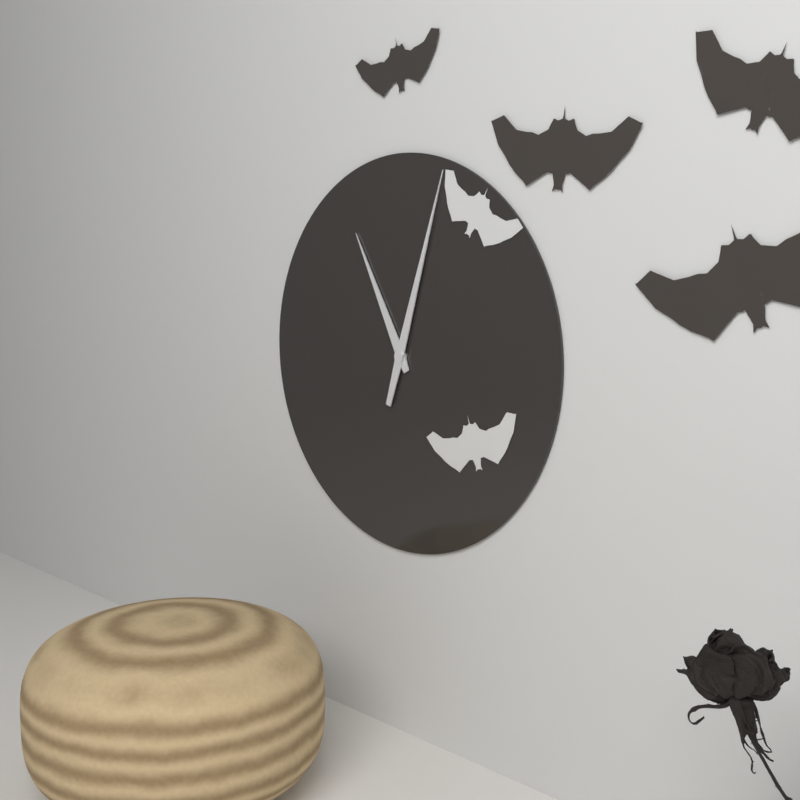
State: 11 h 03 min
